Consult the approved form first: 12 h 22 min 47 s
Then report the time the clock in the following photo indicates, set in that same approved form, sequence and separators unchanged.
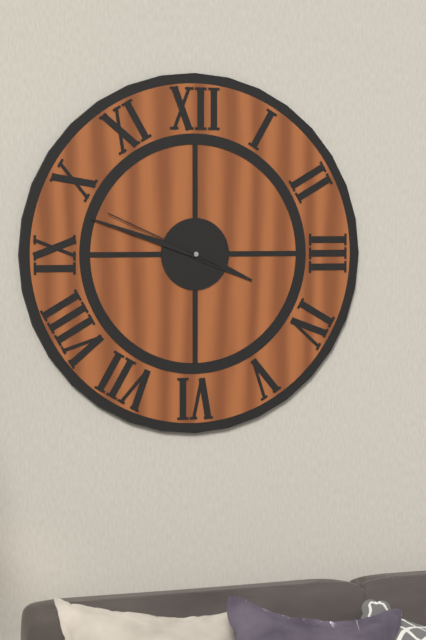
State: 3 h 48 min 49 s
